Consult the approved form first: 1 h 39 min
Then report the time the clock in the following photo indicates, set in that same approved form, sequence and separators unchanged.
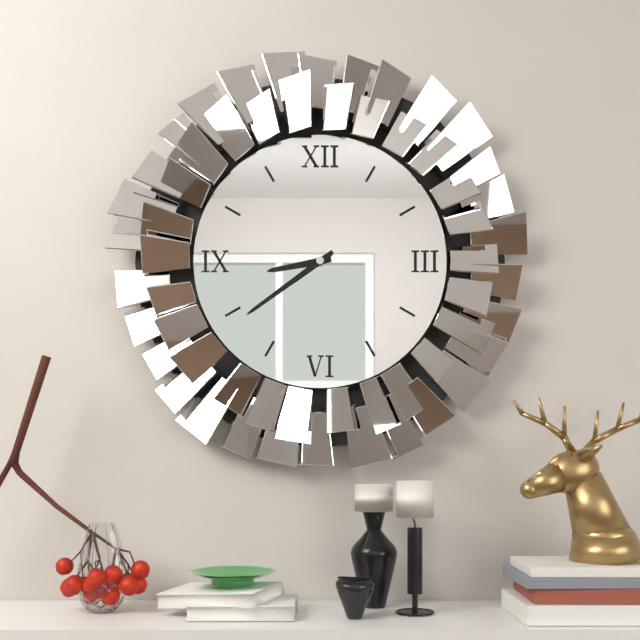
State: 8 h 39 min
